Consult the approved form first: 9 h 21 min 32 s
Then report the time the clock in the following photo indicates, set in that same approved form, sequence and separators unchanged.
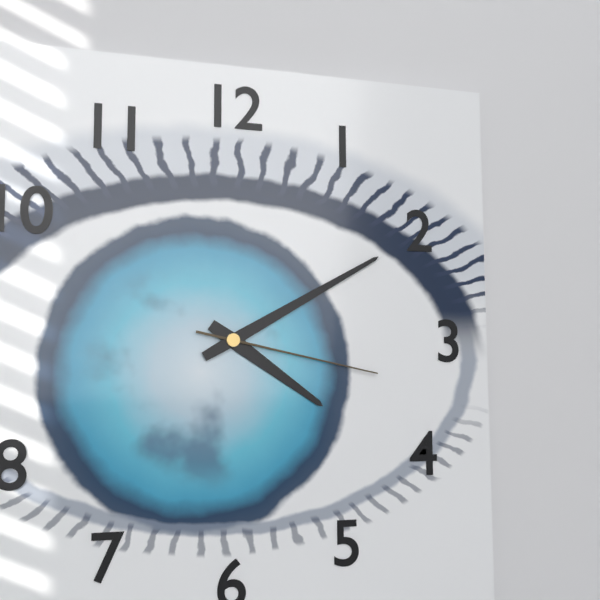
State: 4 h 10 min 17 s
